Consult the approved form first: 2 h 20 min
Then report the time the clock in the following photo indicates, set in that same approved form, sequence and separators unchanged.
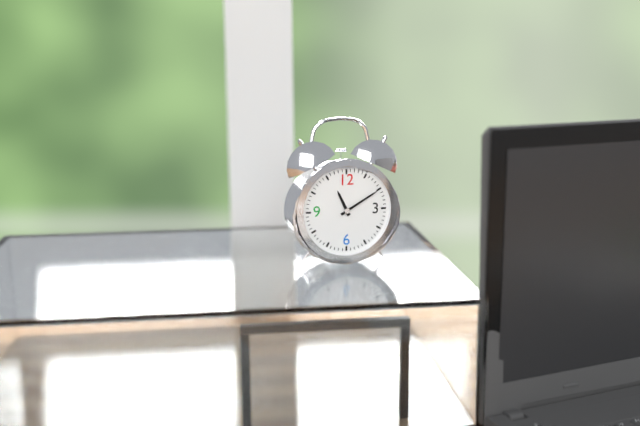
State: 11 h 10 min
